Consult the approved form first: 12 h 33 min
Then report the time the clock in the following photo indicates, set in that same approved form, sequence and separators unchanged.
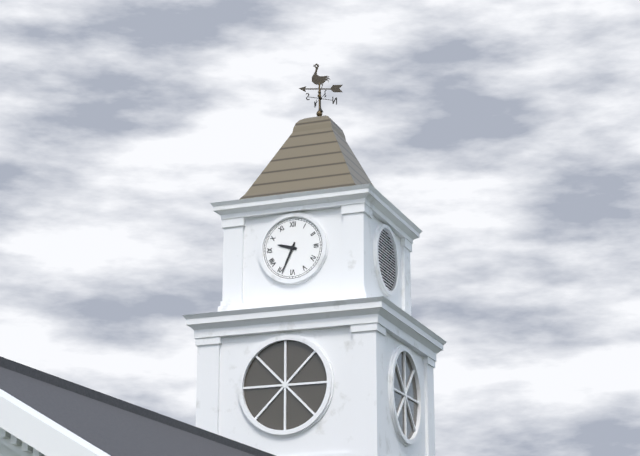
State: 9 h 34 min
